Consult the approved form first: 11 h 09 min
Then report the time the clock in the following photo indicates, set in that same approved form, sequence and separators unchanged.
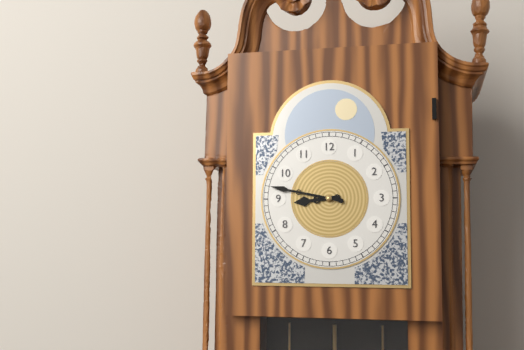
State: 8 h 47 min
